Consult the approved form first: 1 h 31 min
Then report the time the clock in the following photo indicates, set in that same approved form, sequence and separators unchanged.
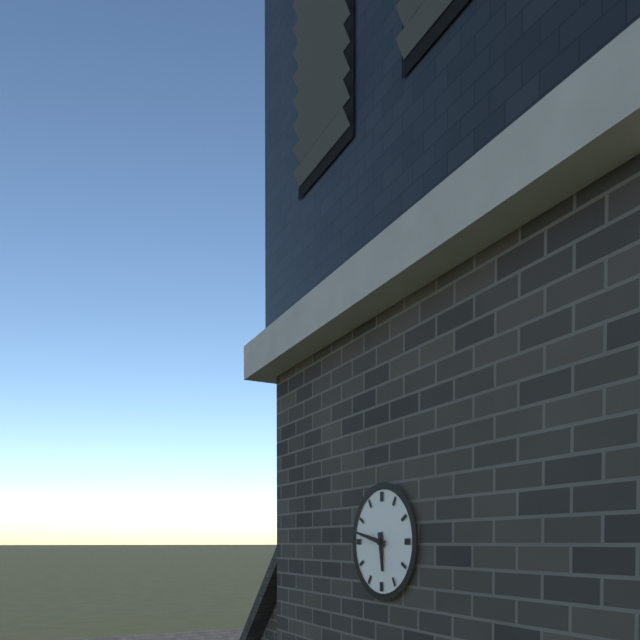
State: 5 h 47 min
